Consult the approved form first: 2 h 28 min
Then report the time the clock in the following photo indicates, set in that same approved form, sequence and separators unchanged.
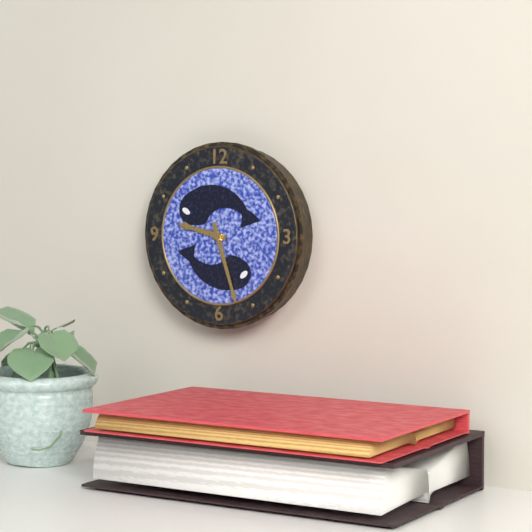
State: 9 h 27 min
